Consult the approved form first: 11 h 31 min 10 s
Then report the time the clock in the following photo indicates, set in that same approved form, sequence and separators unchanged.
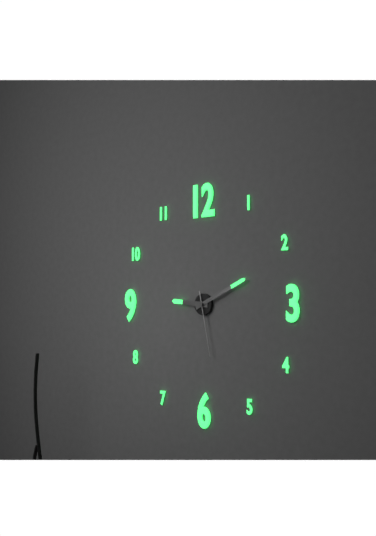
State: 9 h 11 min 28 s
